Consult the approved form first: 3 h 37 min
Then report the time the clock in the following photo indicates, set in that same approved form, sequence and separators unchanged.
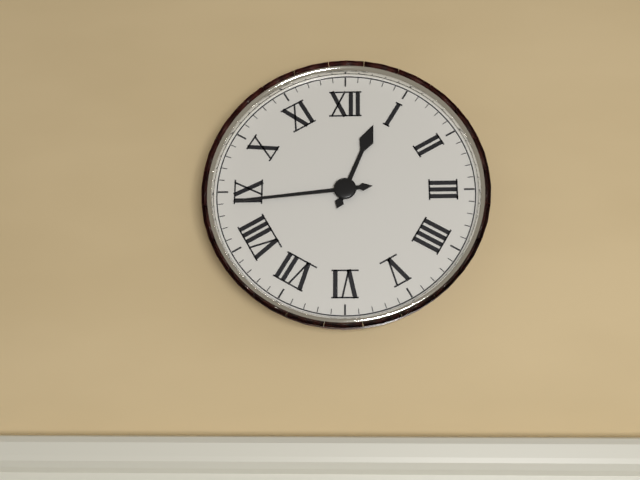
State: 12 h 44 min
